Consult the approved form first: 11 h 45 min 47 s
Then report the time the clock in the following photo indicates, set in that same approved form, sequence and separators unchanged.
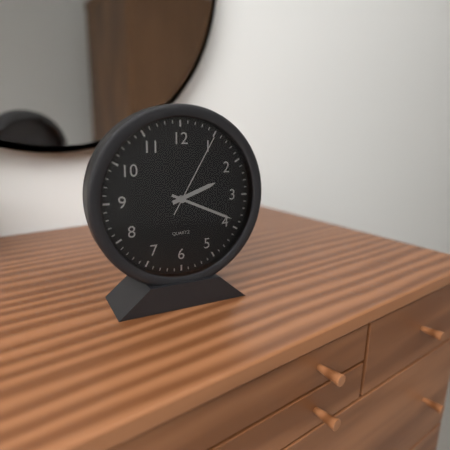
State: 2 h 19 min 05 s
